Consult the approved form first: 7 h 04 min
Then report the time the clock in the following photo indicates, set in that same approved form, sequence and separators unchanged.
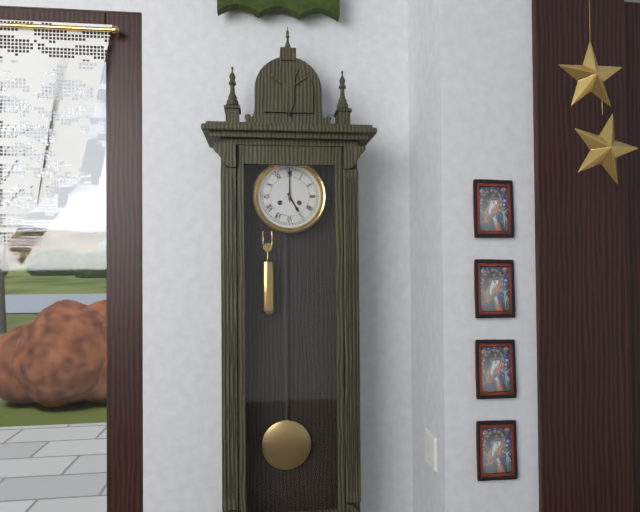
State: 5 h 00 min
